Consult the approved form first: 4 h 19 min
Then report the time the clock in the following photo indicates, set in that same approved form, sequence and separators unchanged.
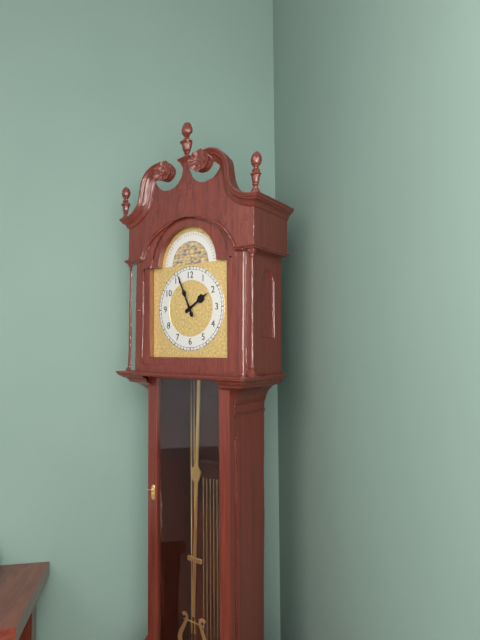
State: 1 h 56 min
